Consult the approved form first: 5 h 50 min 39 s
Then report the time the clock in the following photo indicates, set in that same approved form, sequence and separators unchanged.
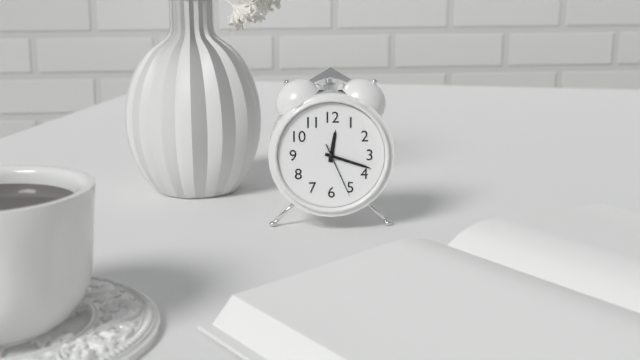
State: 12 h 18 min 26 s
